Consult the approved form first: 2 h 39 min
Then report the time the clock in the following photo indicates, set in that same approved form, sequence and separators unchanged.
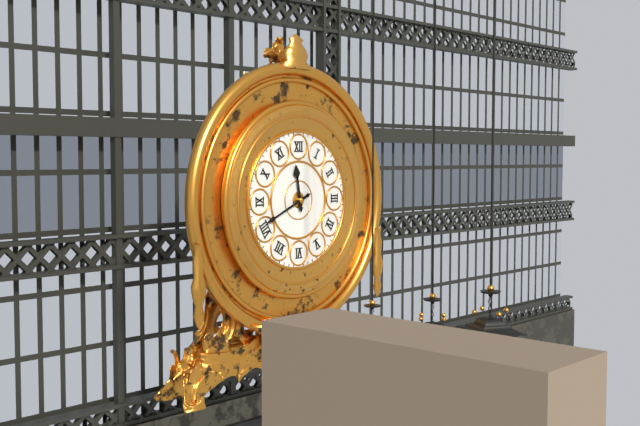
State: 11 h 41 min
